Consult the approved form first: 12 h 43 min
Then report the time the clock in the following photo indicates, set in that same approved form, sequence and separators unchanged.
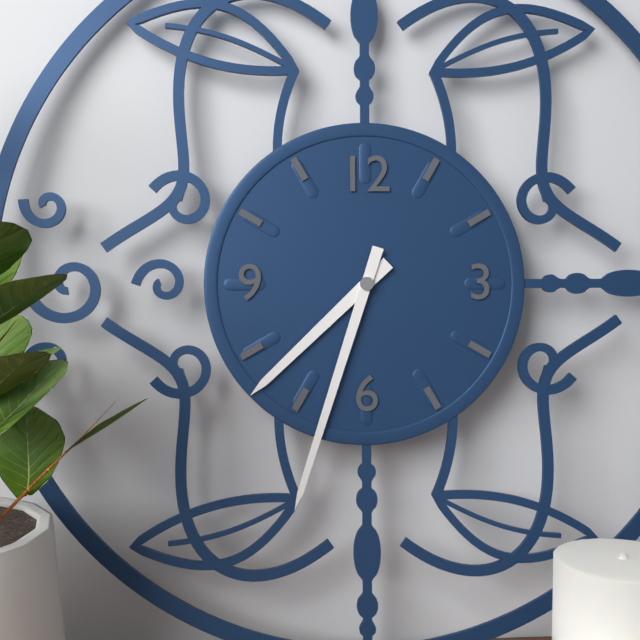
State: 7 h 33 min
